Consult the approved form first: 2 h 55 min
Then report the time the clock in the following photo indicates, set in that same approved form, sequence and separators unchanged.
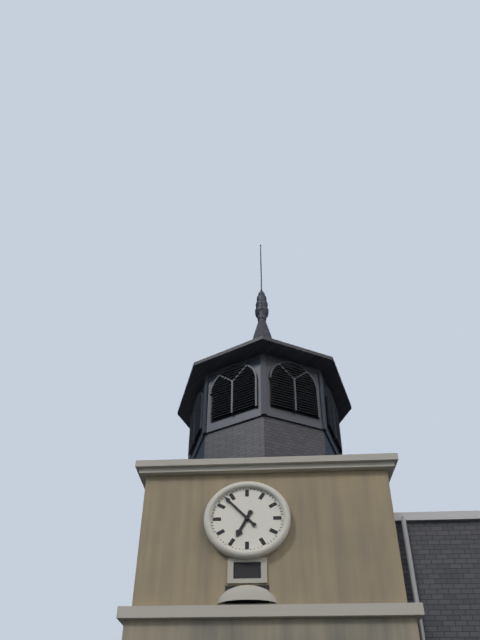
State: 6 h 53 min
